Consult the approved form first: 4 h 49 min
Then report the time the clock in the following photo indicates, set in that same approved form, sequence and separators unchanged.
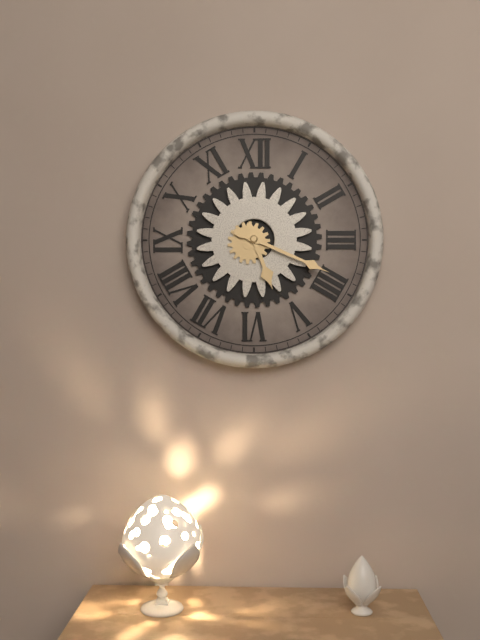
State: 5 h 19 min
